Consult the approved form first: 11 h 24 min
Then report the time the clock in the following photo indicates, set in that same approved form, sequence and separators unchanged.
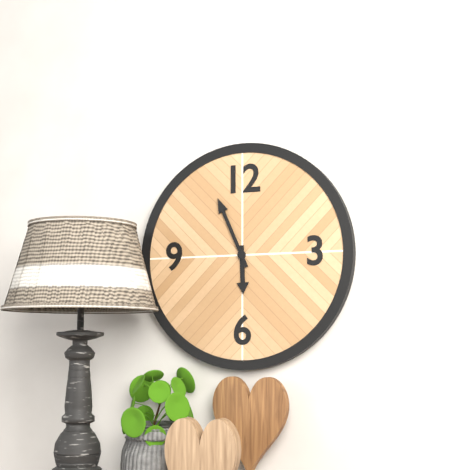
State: 5 h 56 min
